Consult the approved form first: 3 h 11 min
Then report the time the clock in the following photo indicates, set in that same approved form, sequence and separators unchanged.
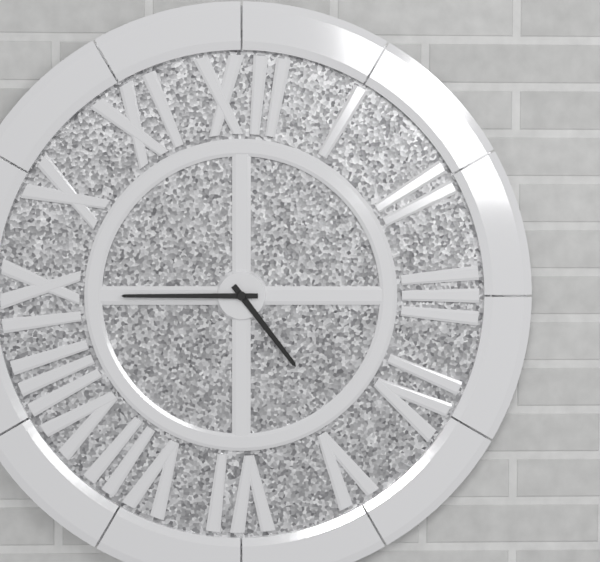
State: 4 h 45 min
